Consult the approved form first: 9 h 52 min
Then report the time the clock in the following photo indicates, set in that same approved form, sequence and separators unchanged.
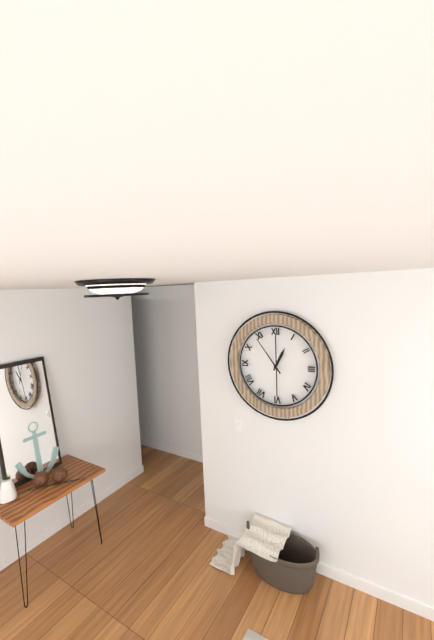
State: 12 h 54 min
